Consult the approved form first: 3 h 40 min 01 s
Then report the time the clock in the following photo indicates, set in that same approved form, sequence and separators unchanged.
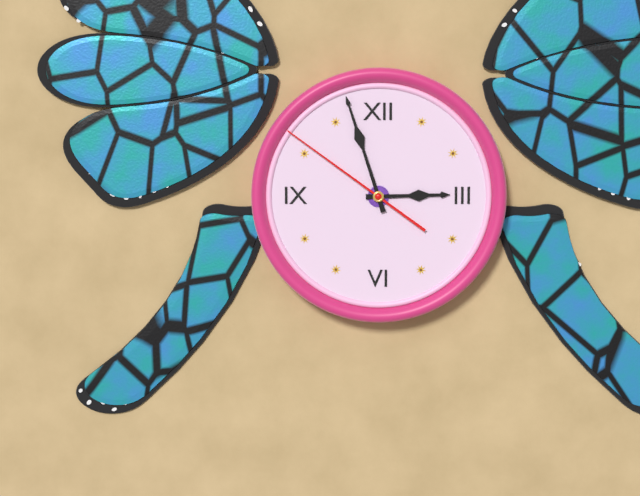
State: 2 h 57 min 51 s
